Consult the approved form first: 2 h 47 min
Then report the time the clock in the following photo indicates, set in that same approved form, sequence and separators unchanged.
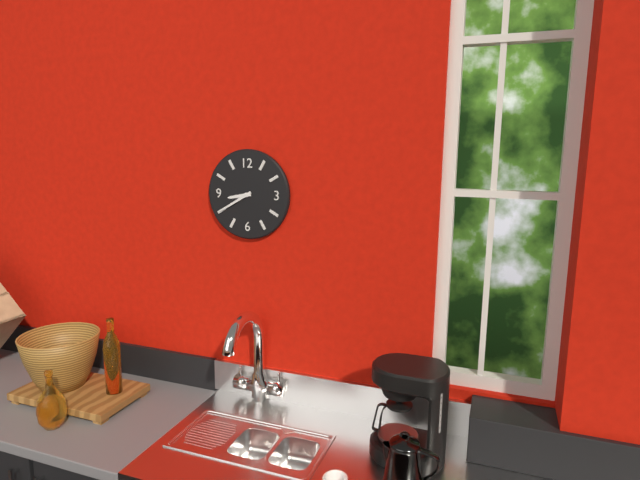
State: 8 h 40 min
